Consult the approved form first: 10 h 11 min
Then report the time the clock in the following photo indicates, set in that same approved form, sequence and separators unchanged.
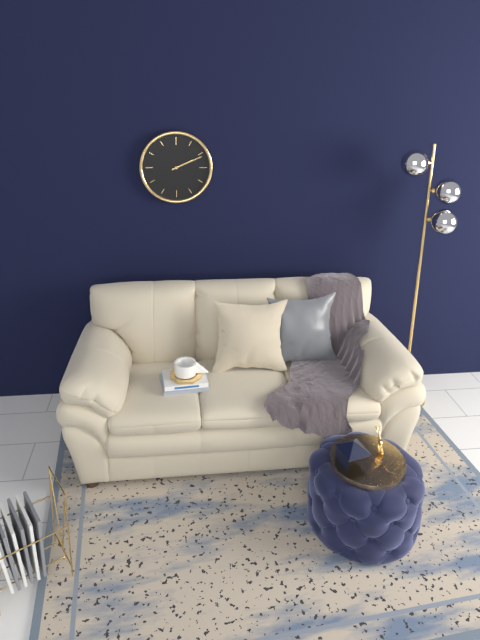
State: 2 h 11 min
